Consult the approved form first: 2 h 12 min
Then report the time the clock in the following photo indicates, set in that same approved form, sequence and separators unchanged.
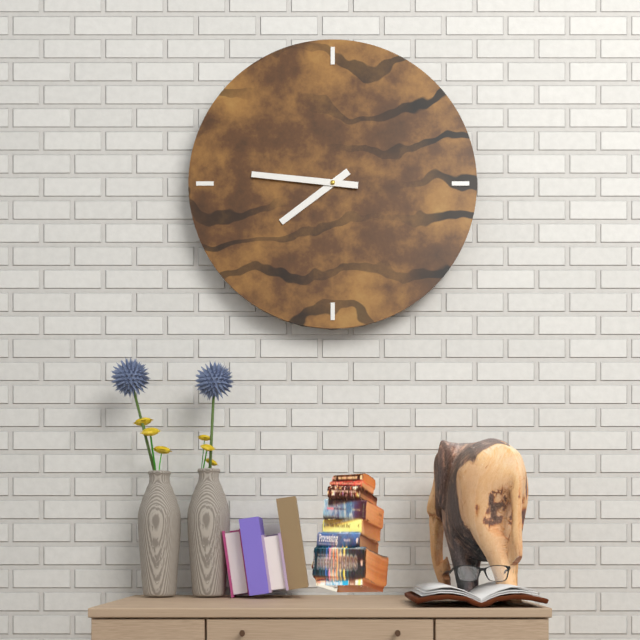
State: 7 h 46 min
